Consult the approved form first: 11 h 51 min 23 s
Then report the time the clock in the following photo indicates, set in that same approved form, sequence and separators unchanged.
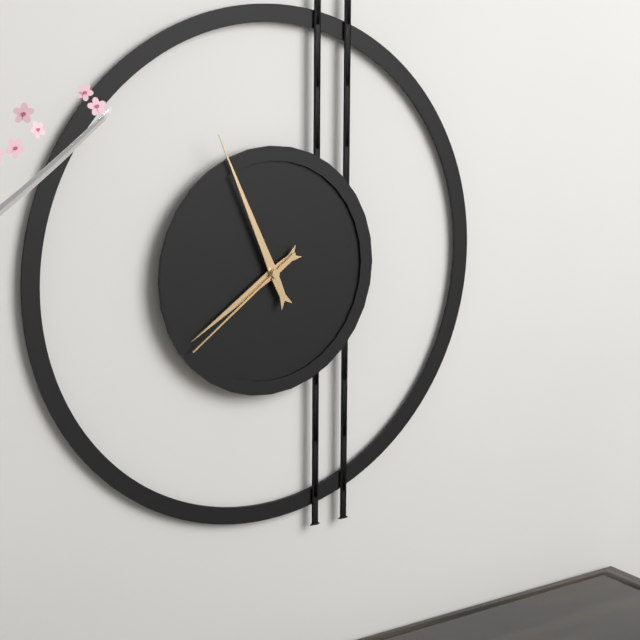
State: 7 h 56 min 39 s
